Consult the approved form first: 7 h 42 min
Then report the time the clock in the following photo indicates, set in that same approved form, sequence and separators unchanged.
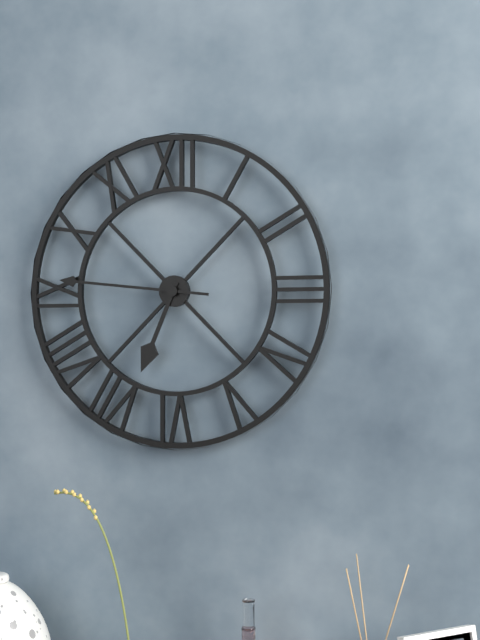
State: 6 h 46 min
